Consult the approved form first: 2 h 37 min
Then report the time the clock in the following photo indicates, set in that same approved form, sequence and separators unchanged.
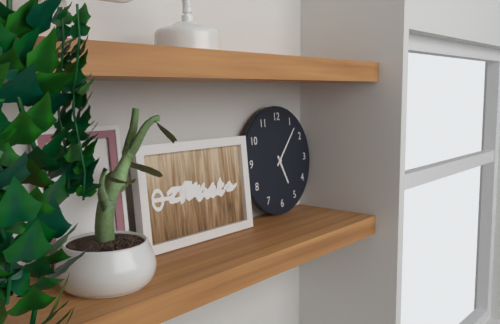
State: 5 h 07 min
